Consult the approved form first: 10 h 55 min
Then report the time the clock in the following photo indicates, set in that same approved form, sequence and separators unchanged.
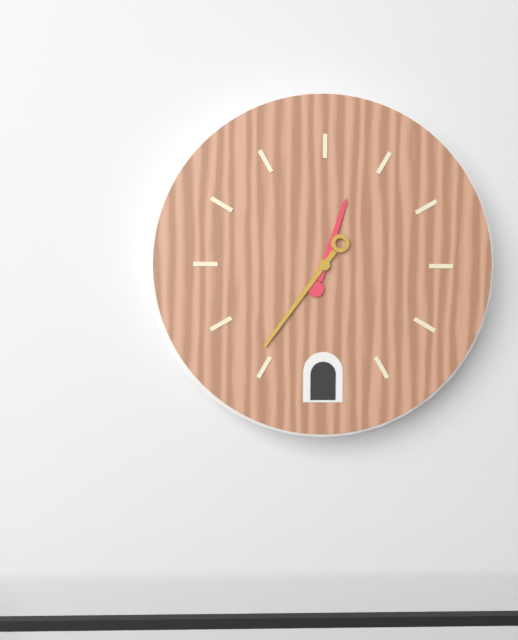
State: 12 h 36 min
